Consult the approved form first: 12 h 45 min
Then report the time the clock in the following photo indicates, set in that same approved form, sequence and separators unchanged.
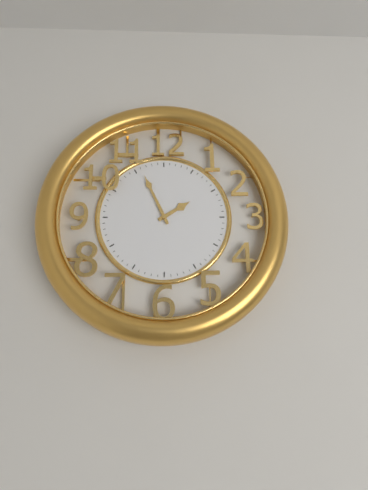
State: 1 h 56 min
